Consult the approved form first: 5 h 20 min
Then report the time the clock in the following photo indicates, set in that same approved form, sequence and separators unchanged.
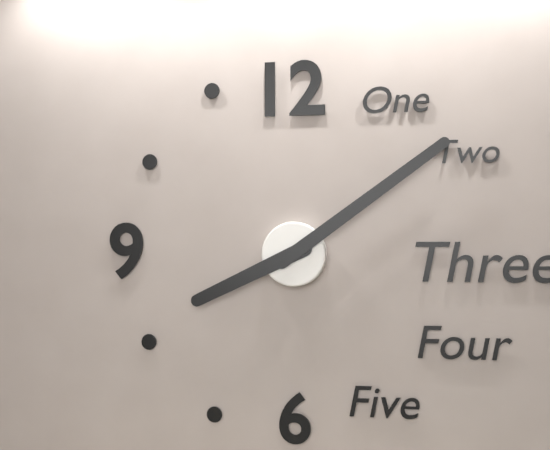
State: 8 h 09 min
